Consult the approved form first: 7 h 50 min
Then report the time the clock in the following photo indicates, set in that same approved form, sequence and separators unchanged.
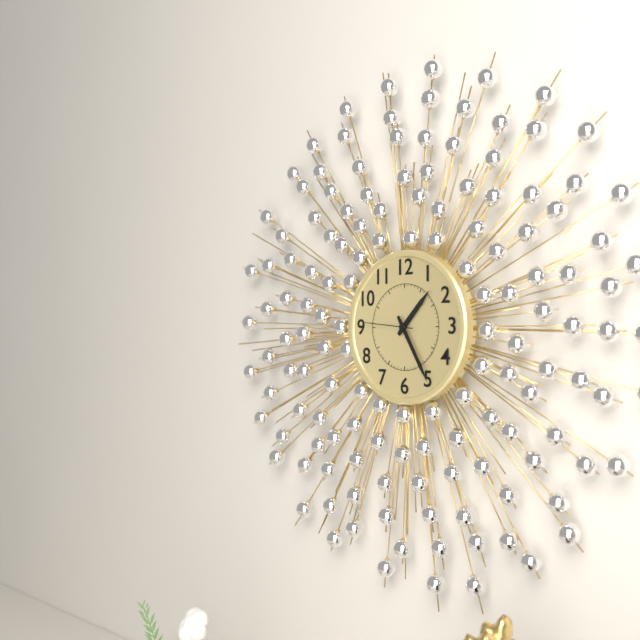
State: 1 h 25 min
